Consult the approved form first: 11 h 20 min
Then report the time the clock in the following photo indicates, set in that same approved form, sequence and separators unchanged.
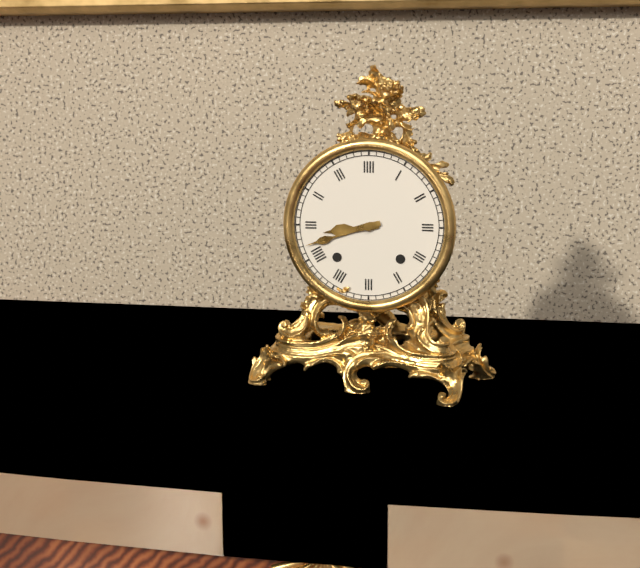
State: 8 h 42 min
